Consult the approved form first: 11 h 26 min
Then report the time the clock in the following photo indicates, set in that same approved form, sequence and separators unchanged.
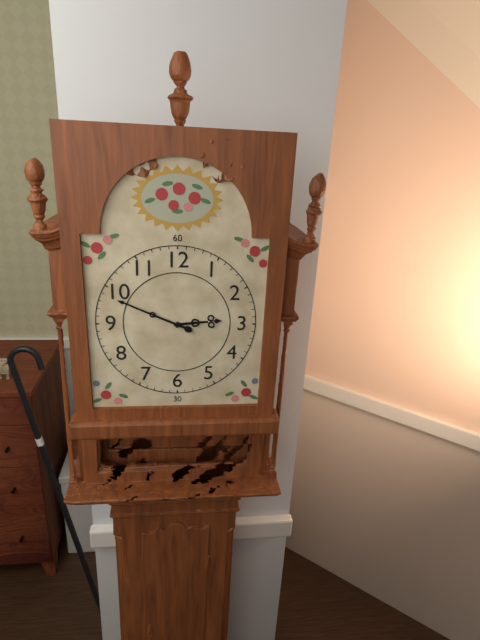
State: 2 h 49 min
